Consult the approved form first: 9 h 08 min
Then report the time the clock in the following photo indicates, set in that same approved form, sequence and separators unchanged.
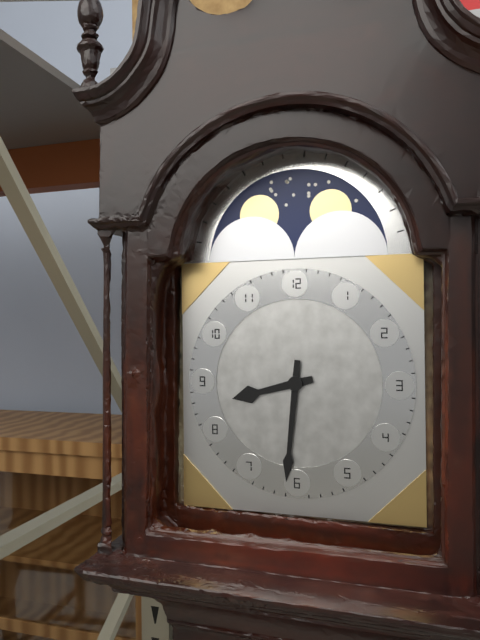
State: 8 h 31 min
